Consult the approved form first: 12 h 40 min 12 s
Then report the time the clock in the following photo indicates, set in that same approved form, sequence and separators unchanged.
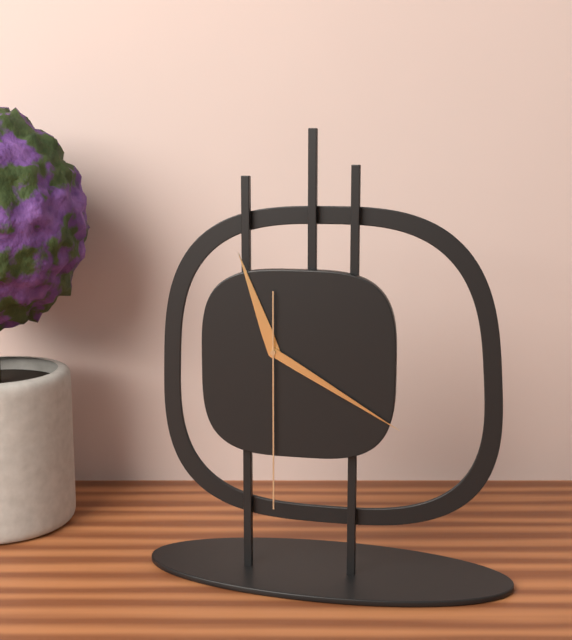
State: 11 h 20 min 30 s
